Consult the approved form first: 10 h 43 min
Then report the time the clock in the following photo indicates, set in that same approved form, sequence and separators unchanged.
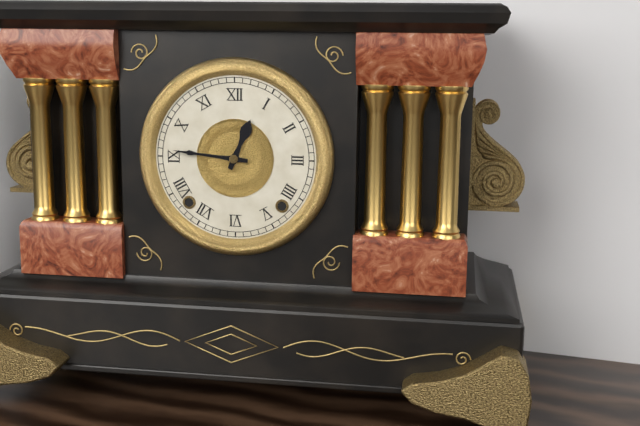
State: 12 h 46 min
